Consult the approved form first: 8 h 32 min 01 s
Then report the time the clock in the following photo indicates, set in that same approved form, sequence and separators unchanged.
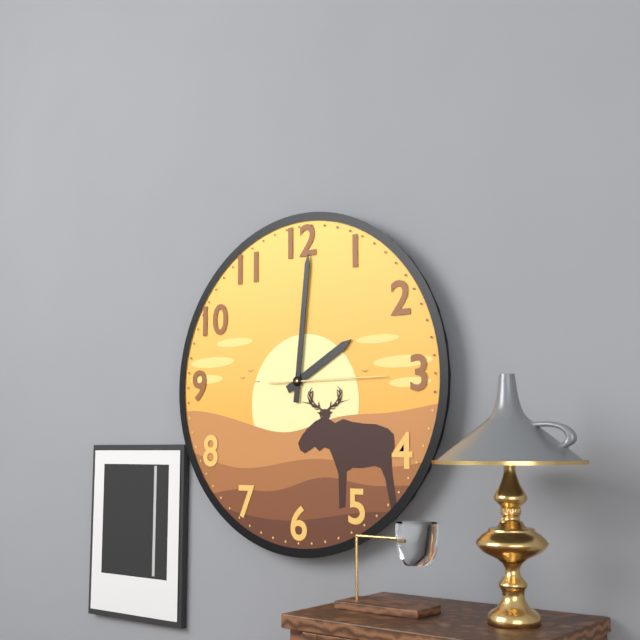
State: 2 h 01 min 15 s
